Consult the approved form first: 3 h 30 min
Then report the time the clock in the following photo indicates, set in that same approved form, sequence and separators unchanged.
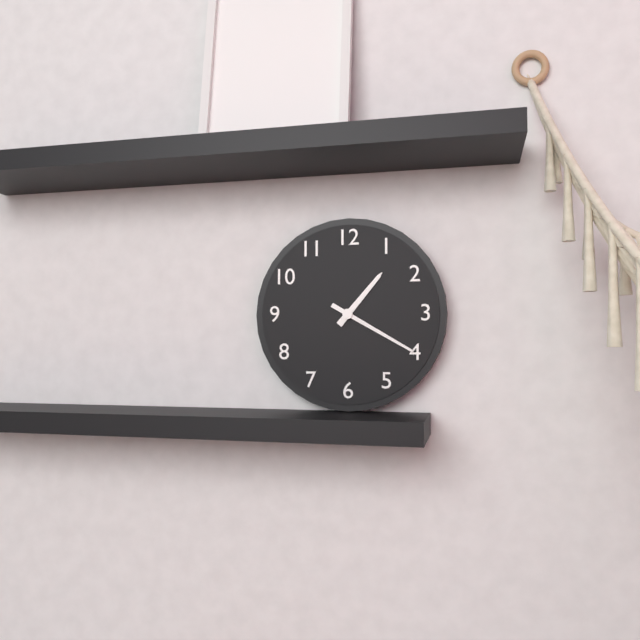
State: 1 h 20 min
